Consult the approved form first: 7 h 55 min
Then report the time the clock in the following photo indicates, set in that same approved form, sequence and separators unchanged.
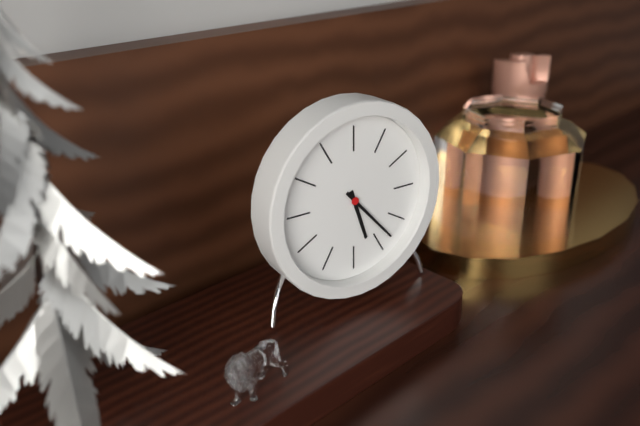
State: 5 h 23 min
